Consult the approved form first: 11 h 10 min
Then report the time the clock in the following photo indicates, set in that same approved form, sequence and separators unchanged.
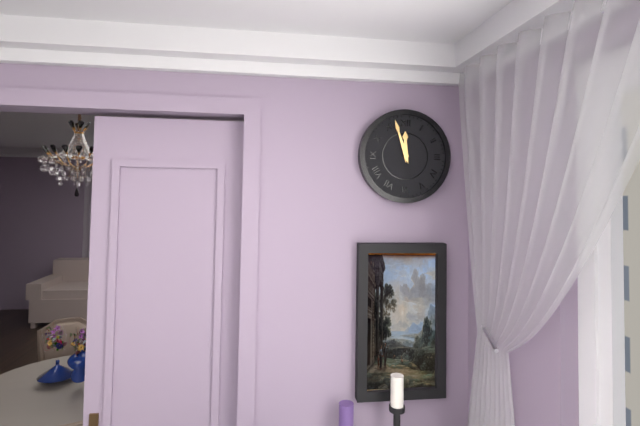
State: 11 h 57 min
